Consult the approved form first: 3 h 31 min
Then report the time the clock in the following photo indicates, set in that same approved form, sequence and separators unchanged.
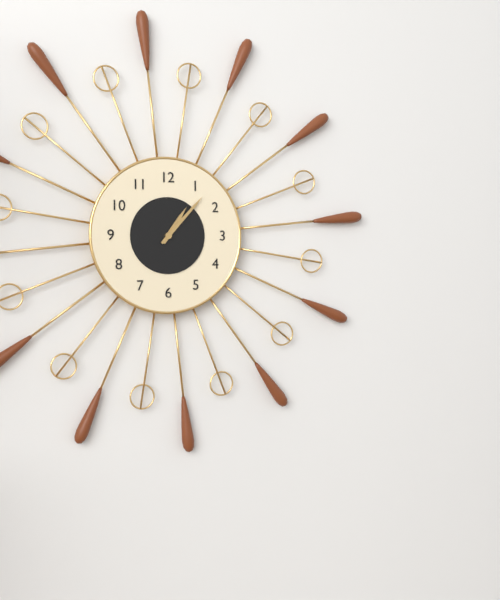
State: 1 h 07 min
